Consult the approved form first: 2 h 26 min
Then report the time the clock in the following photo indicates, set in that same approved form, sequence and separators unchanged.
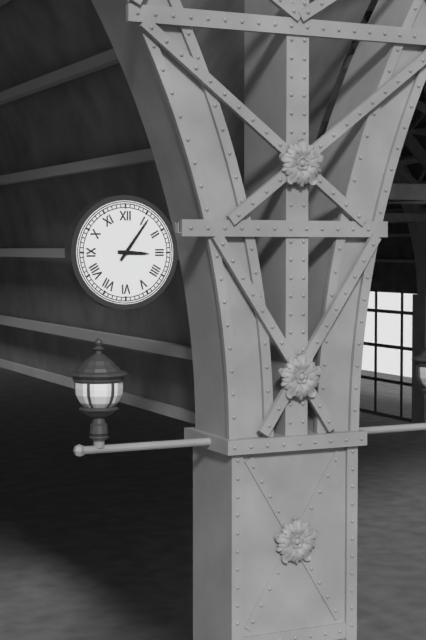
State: 3 h 06 min
